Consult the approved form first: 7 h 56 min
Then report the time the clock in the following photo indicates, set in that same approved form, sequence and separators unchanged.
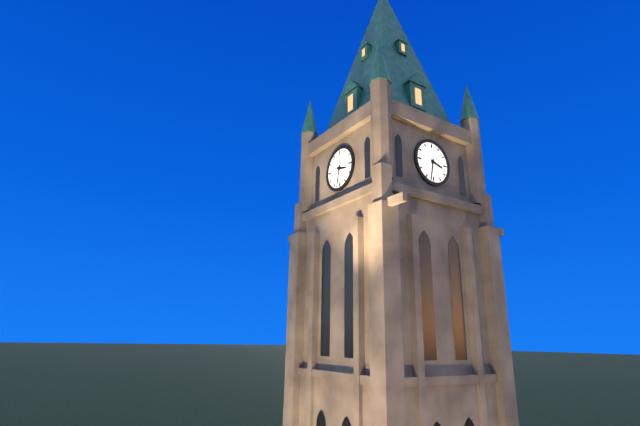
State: 3 h 32 min
